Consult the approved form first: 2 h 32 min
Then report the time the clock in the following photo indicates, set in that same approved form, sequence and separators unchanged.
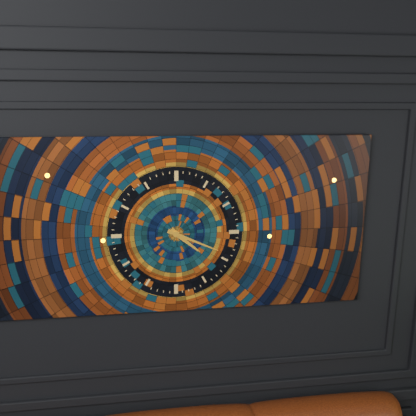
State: 4 h 19 min
